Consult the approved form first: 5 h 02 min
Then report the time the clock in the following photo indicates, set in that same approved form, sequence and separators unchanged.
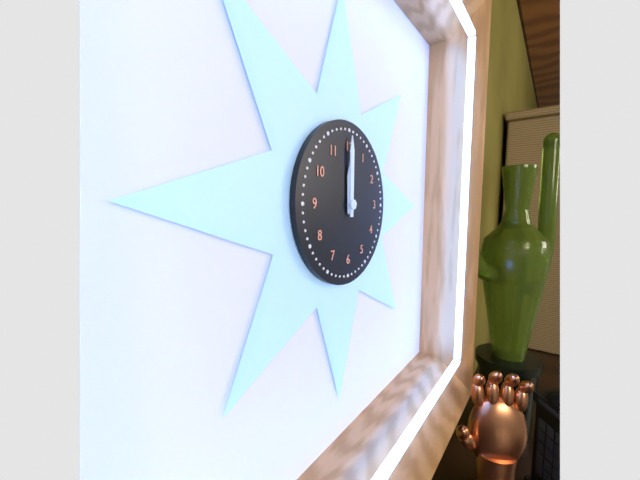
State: 12 h 00 min
